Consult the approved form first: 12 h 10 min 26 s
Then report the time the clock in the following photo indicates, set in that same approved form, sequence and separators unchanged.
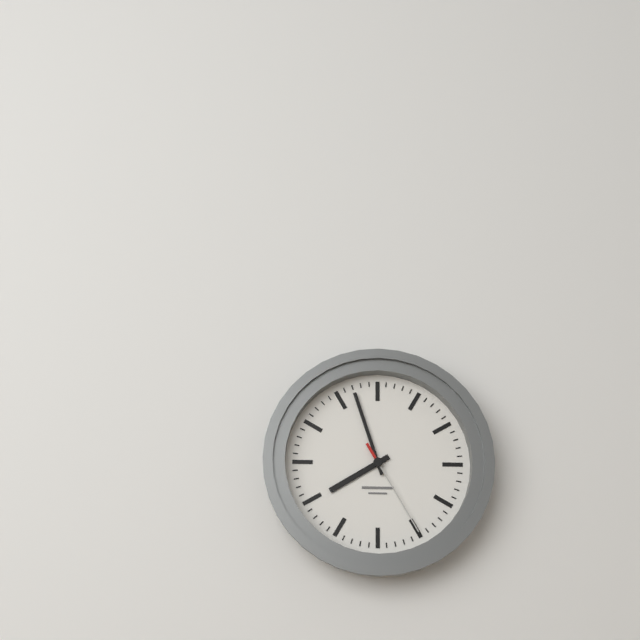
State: 7 h 57 min 25 s
